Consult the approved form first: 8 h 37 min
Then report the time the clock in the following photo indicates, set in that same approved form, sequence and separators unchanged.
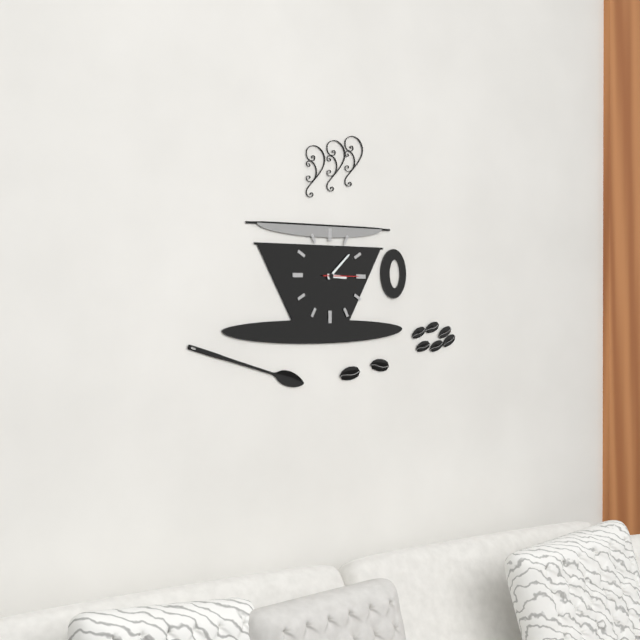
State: 3 h 08 min
